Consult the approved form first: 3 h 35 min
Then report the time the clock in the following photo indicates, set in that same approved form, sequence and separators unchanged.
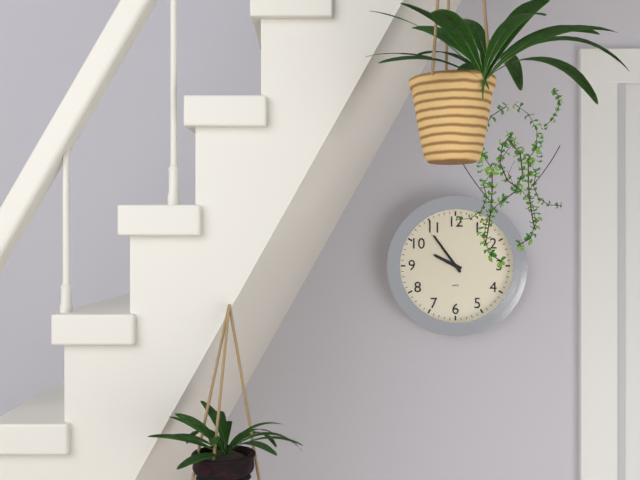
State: 9 h 54 min
